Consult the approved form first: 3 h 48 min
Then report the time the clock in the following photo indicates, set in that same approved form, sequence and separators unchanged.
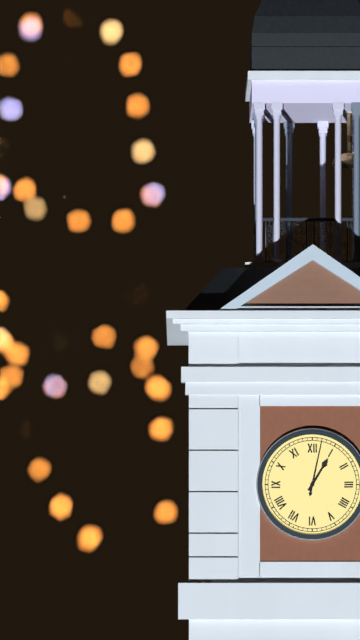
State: 1 h 02 min
